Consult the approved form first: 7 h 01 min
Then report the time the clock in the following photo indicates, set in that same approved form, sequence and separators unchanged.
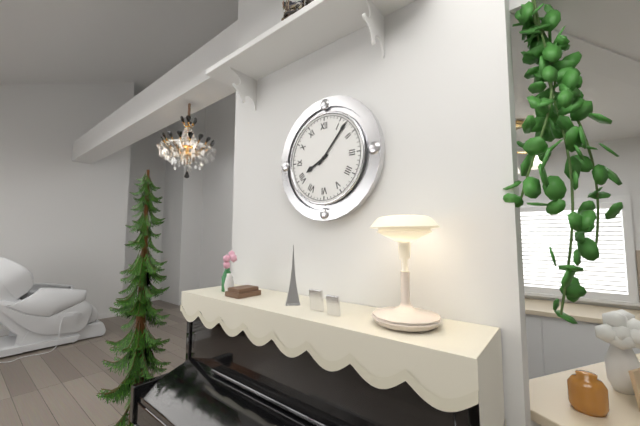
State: 8 h 07 min
